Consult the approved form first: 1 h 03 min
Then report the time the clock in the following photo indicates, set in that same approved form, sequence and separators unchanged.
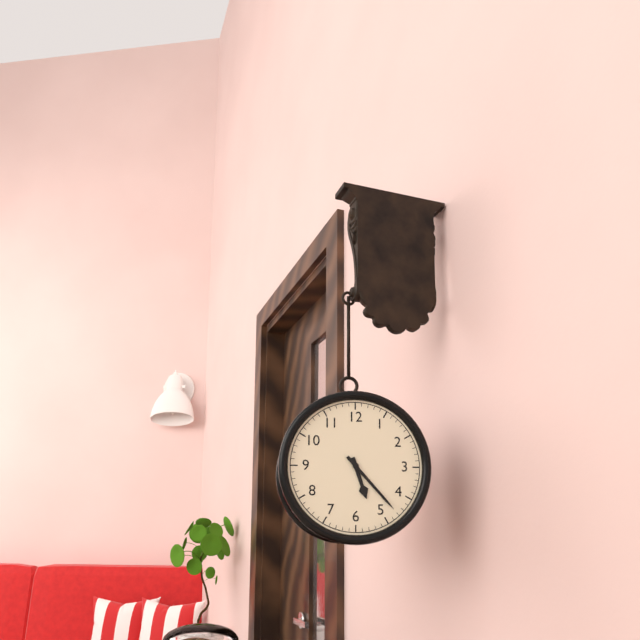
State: 5 h 23 min
